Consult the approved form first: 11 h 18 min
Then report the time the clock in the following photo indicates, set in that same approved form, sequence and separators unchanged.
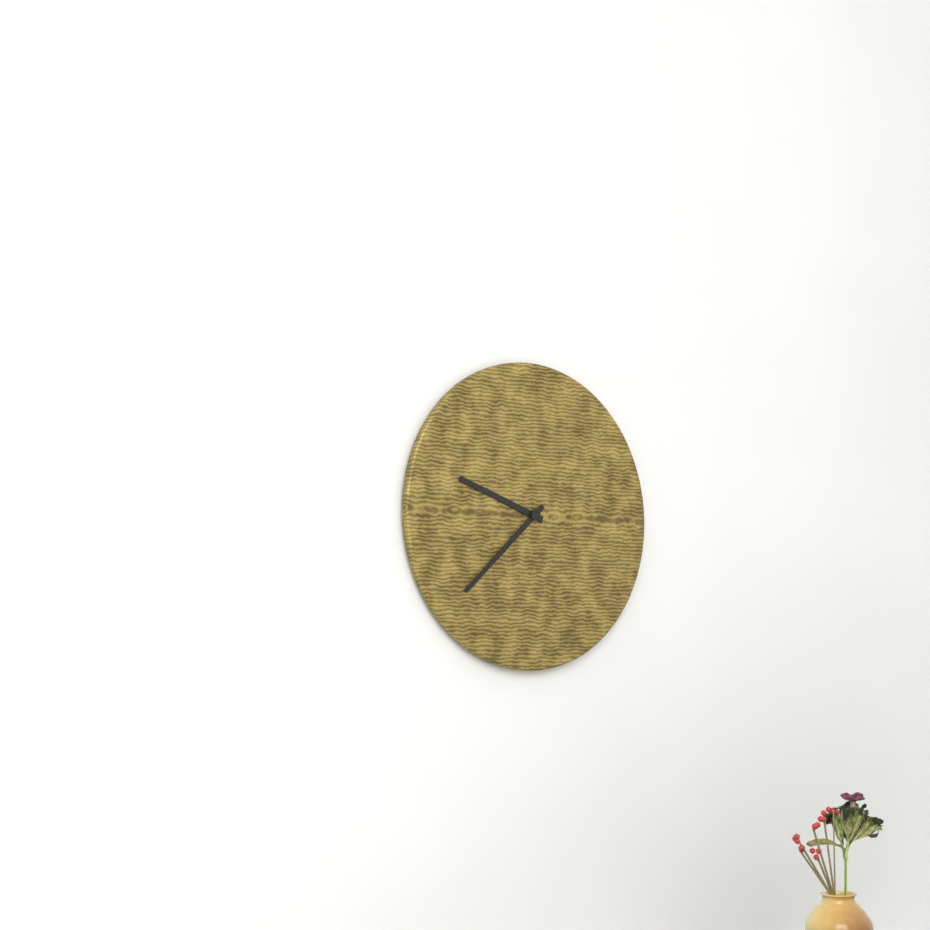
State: 9 h 38 min
